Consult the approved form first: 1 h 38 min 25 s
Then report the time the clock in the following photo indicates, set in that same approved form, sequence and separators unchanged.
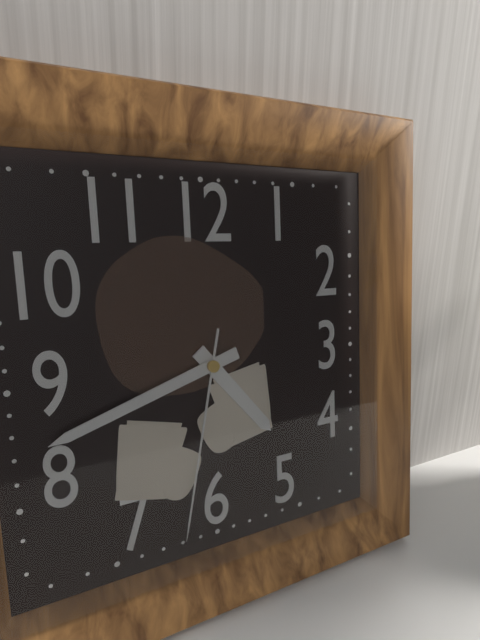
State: 4 h 42 min 32 s
